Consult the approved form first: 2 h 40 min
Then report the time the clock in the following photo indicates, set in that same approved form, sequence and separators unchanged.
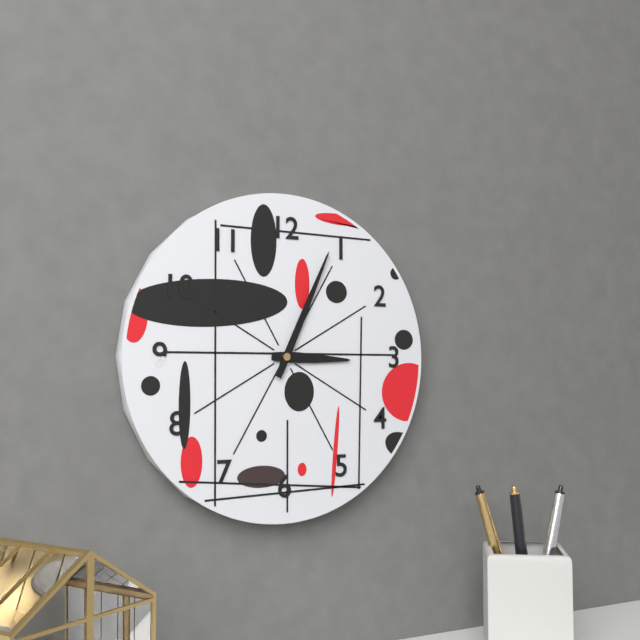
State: 3 h 04 min
